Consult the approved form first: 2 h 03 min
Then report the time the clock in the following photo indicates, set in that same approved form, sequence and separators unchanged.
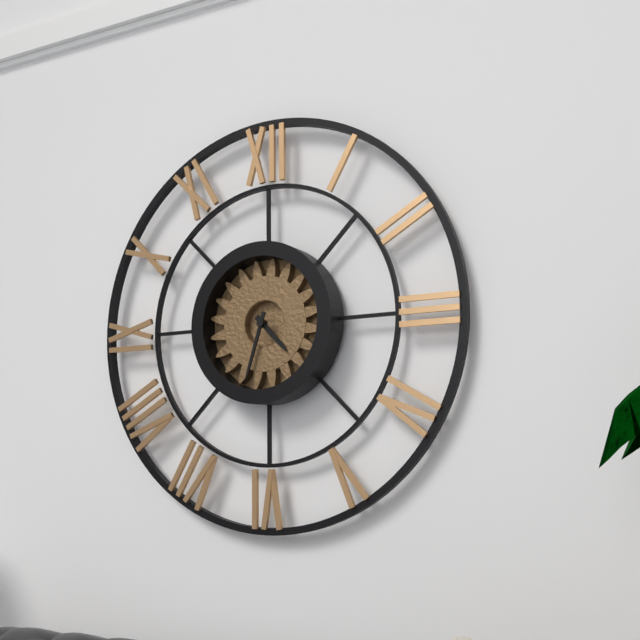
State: 4 h 33 min
